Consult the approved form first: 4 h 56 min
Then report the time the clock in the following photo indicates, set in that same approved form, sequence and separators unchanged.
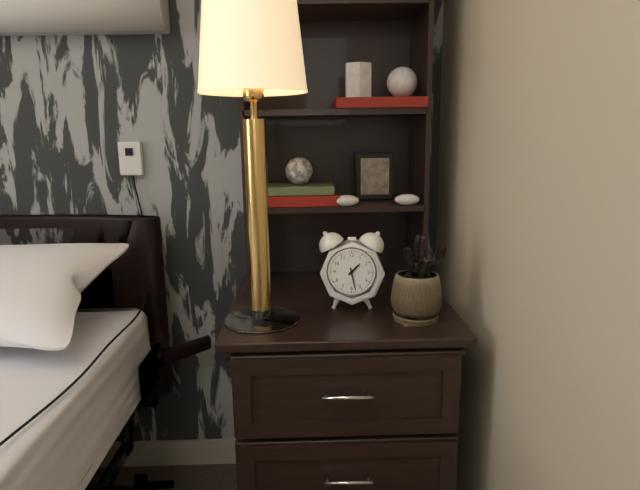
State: 1 h 28 min
